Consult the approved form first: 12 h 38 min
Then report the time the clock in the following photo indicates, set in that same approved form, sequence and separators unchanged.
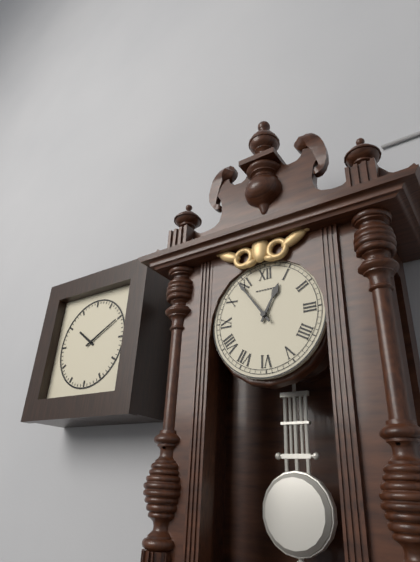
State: 12 h 54 min
